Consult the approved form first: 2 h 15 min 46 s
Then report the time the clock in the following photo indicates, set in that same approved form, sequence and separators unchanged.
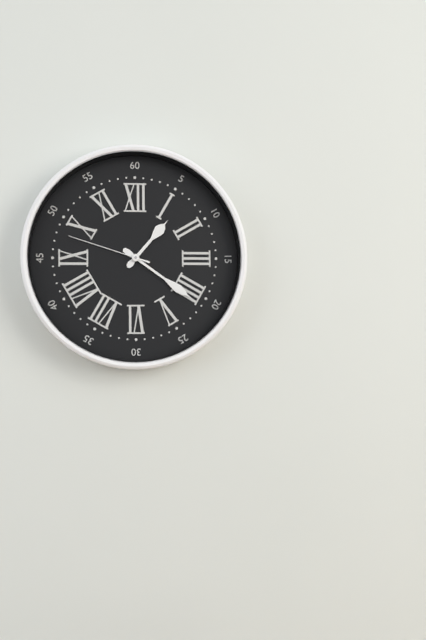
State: 1 h 21 min 48 s
